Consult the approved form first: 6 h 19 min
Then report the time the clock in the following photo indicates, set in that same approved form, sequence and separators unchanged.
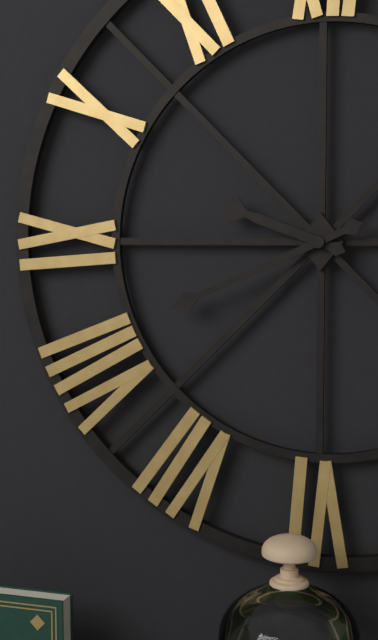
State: 9 h 41 min
